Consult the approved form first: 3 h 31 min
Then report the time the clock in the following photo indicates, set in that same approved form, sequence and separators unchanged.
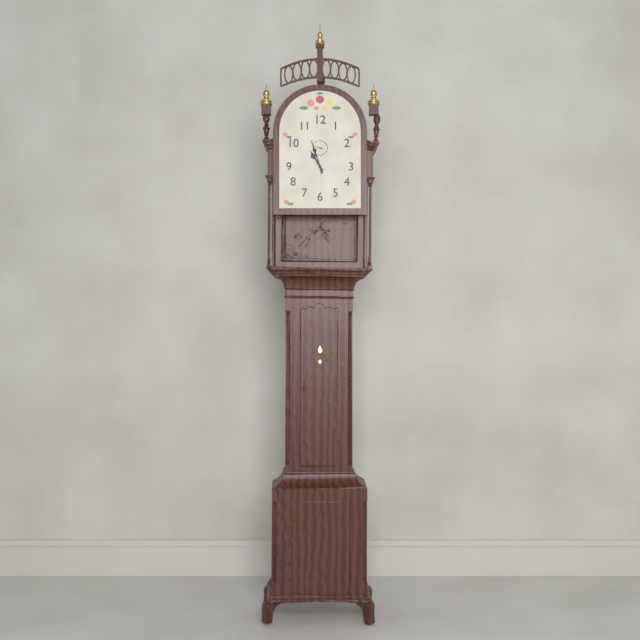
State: 10 h 57 min
